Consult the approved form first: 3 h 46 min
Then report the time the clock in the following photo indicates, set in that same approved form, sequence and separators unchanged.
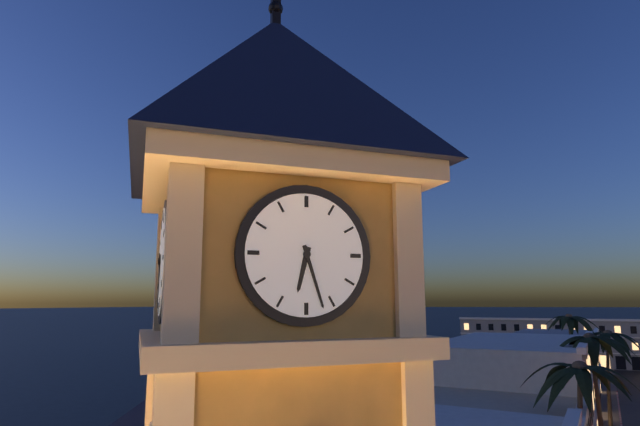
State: 6 h 27 min
